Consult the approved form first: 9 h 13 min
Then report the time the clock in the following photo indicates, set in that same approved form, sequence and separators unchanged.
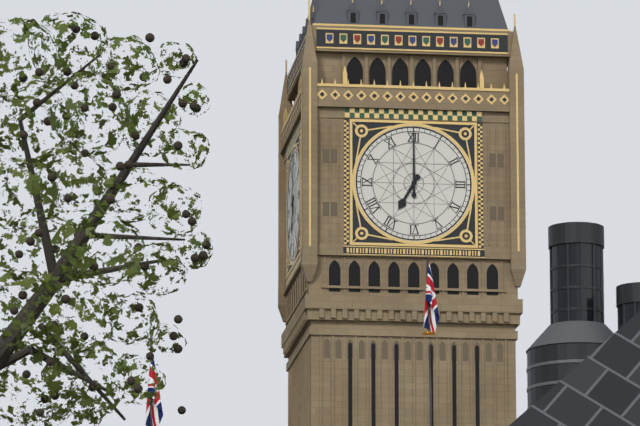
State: 7 h 00 min
